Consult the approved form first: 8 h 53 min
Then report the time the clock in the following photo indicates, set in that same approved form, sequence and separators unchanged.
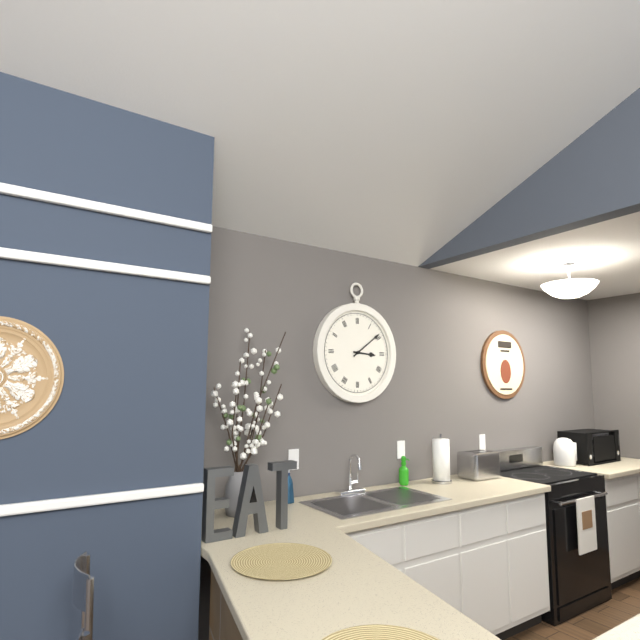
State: 3 h 09 min
